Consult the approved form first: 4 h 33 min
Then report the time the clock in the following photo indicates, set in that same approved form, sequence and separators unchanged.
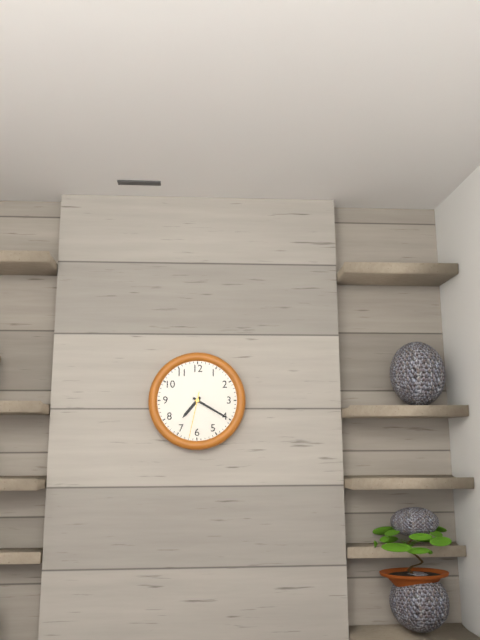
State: 7 h 20 min
